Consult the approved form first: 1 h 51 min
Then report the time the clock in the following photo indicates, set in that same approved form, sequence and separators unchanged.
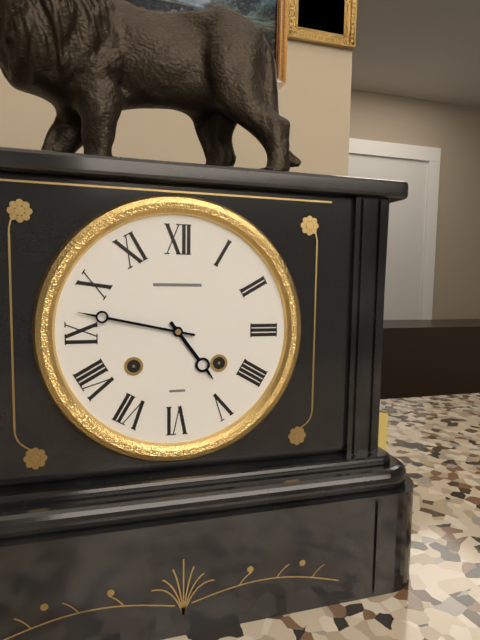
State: 4 h 47 min
